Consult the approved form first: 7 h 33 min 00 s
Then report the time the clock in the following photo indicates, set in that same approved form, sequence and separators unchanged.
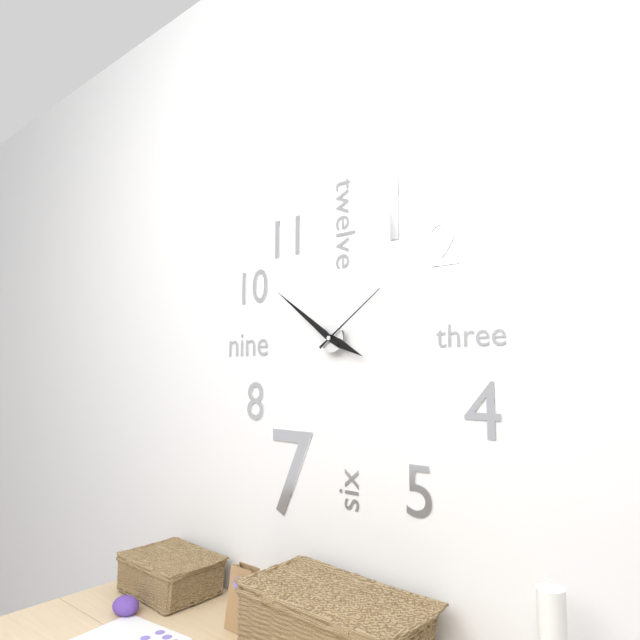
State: 3 h 51 min 09 s
